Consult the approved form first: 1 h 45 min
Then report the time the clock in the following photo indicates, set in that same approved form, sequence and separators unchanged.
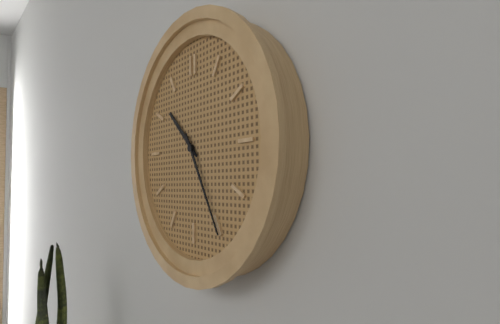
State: 10 h 25 min
